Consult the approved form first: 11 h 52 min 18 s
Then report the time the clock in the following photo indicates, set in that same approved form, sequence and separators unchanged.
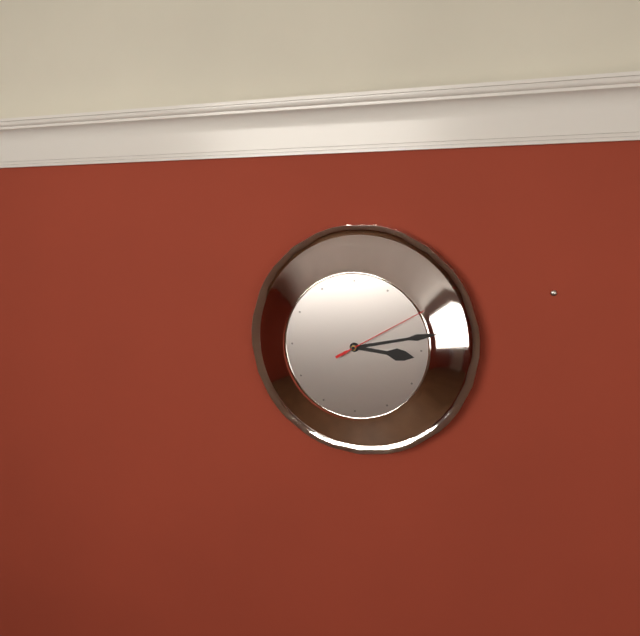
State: 3 h 13 min 10 s
